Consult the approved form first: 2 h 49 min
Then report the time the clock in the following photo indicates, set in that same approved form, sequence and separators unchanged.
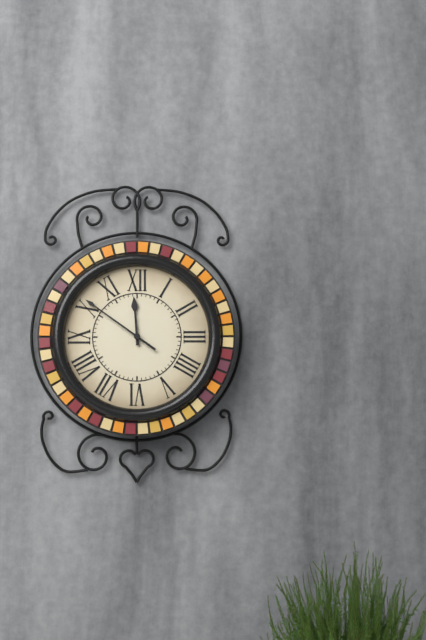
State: 11 h 51 min
